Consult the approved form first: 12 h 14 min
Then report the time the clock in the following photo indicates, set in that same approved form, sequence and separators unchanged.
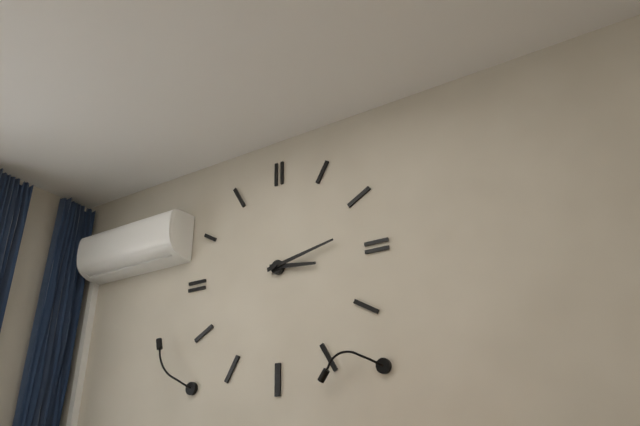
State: 3 h 13 min
